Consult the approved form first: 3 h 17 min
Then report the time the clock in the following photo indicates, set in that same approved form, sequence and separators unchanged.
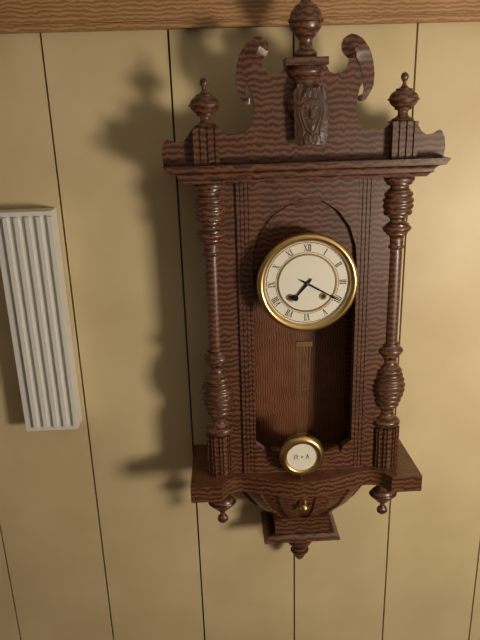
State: 7 h 20 min
